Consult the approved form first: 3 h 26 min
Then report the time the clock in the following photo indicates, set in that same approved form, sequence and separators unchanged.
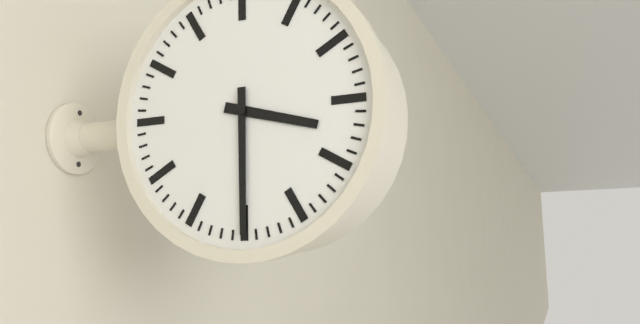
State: 3 h 30 min
